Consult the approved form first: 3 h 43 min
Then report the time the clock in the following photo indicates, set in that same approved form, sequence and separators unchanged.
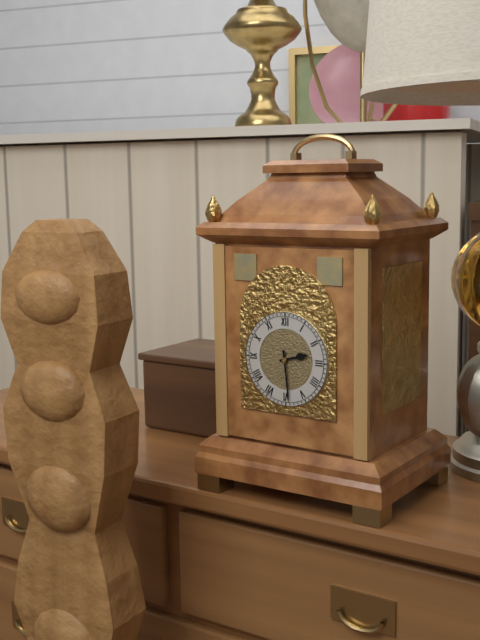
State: 2 h 29 min
